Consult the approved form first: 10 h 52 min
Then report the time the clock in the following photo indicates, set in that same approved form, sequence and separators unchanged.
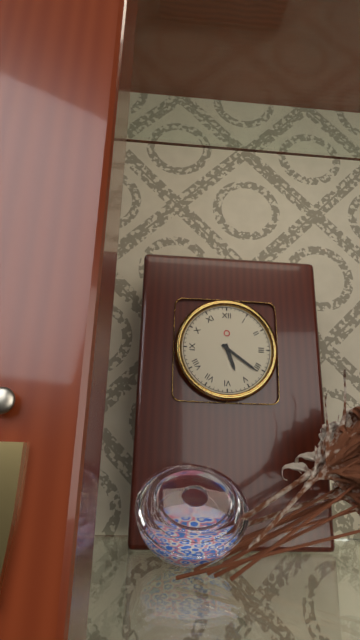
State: 5 h 21 min
